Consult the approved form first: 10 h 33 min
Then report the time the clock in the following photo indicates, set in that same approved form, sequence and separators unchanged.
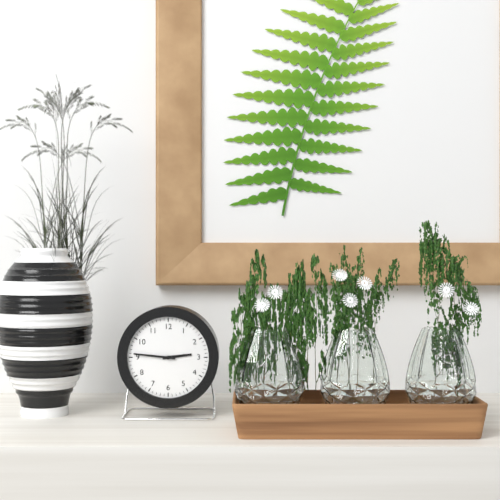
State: 2 h 46 min
